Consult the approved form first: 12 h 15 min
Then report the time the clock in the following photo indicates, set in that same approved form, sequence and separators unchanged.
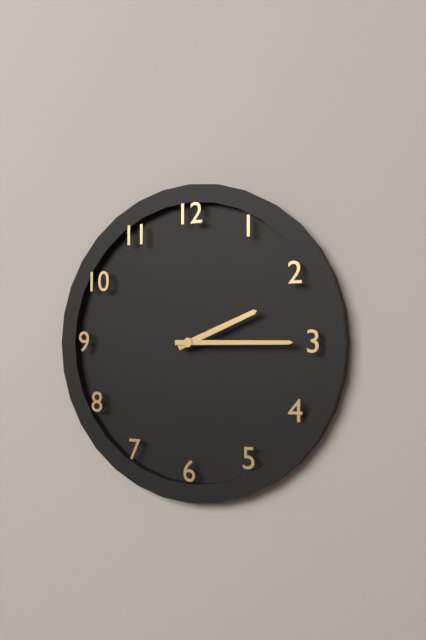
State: 2 h 15 min
